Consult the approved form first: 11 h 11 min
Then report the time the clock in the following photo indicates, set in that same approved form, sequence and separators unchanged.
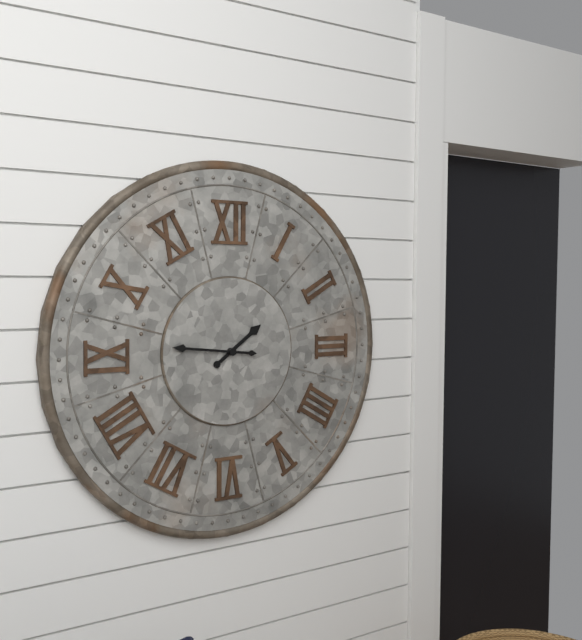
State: 1 h 46 min
